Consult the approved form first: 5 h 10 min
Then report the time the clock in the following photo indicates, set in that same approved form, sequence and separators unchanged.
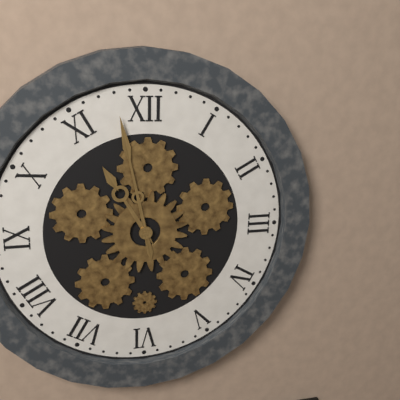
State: 10 h 58 min
